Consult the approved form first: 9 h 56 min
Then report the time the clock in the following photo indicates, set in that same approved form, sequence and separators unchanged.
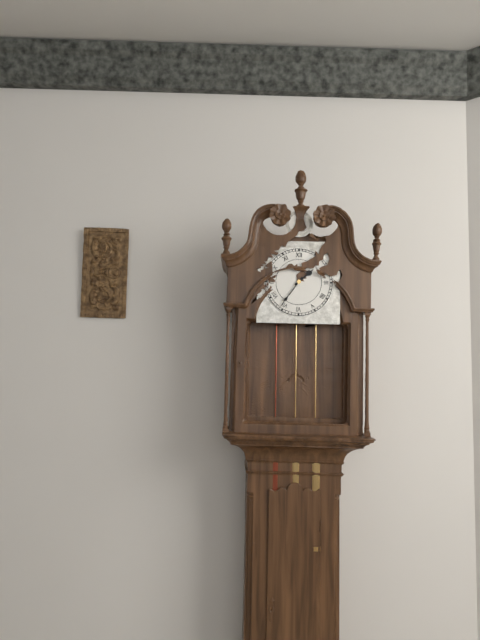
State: 1 h 36 min
